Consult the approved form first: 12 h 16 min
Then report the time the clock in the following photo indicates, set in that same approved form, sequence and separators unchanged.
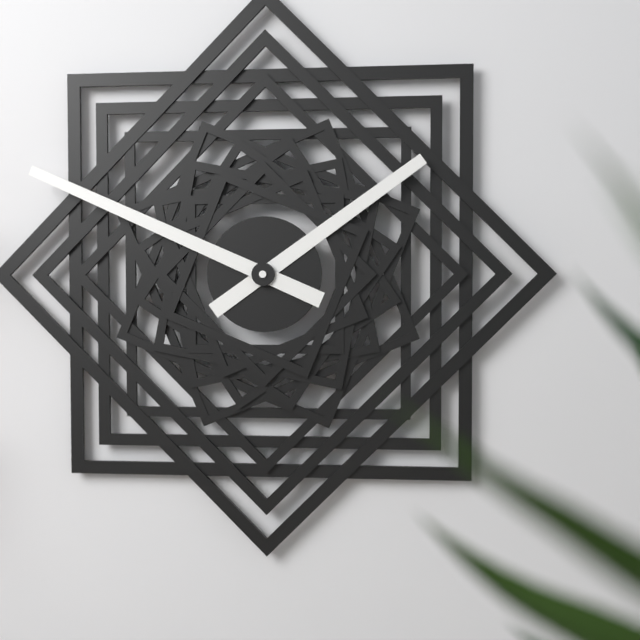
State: 1 h 49 min
